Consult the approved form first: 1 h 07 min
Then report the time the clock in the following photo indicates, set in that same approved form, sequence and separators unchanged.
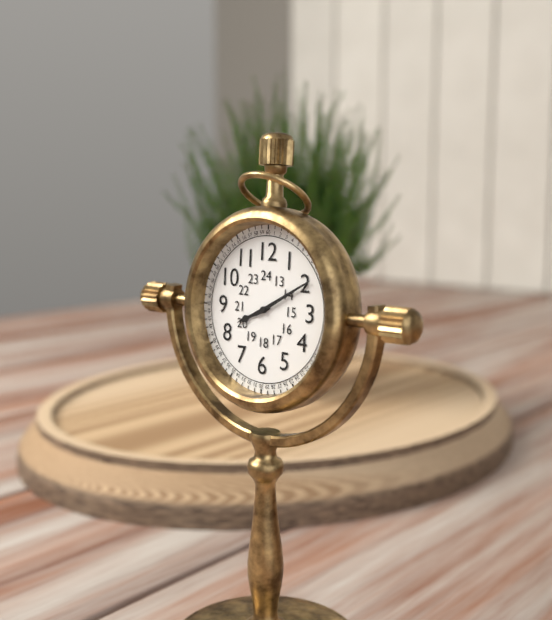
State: 8 h 10 min
